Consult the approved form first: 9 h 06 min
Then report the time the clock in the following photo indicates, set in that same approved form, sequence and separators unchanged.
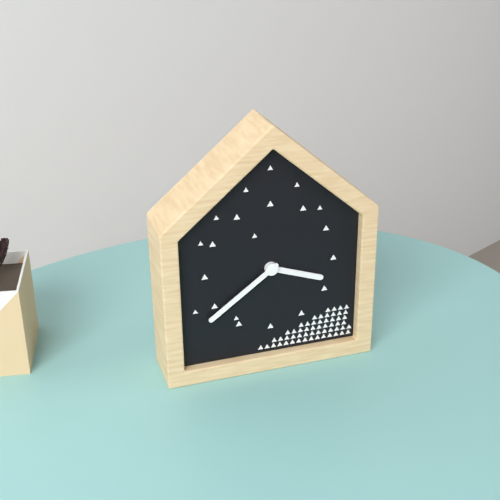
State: 3 h 39 min
